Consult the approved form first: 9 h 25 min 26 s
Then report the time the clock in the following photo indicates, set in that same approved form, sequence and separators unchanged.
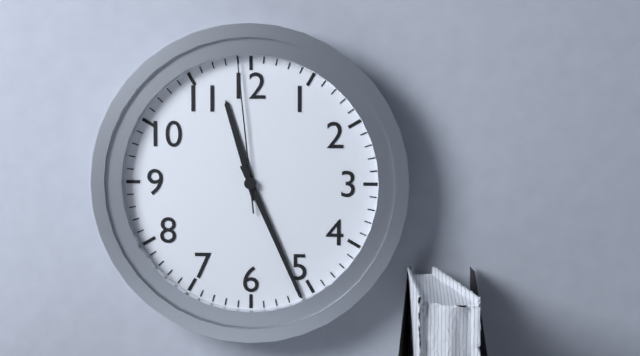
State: 11 h 26 min 59 s
